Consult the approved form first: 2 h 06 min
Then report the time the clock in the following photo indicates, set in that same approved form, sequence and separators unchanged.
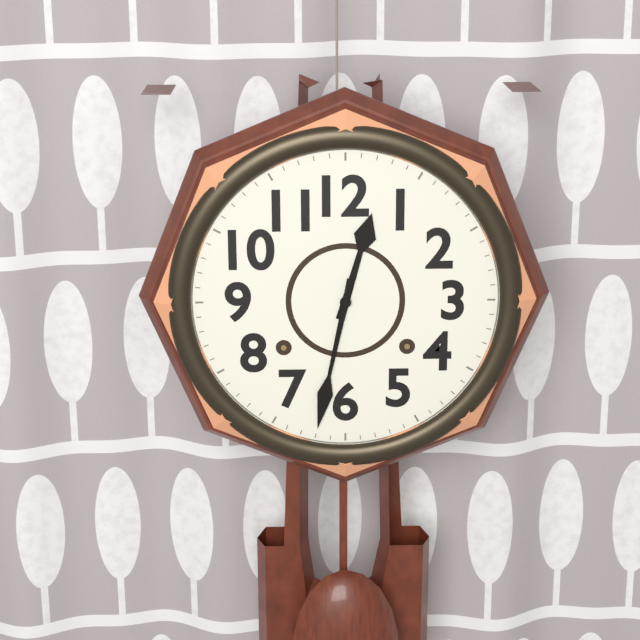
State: 12 h 32 min
